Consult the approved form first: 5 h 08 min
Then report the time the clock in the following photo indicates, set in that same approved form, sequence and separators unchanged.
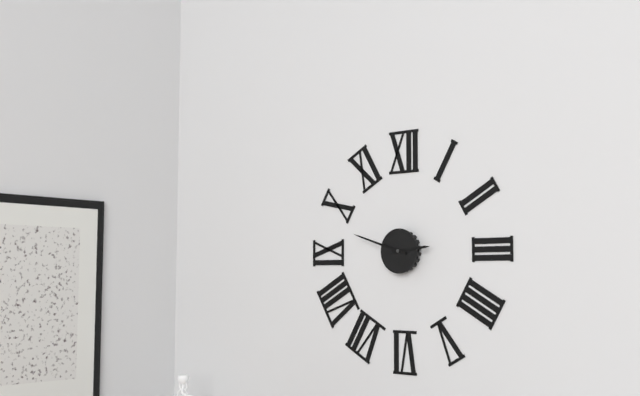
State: 2 h 48 min
